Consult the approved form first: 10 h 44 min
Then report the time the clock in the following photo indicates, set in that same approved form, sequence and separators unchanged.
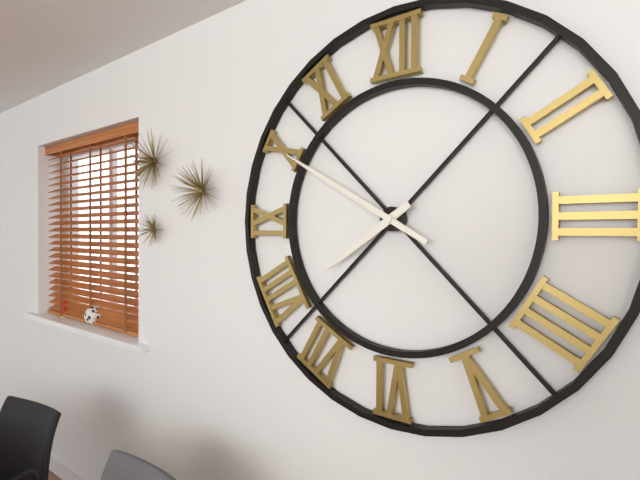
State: 7 h 50 min
